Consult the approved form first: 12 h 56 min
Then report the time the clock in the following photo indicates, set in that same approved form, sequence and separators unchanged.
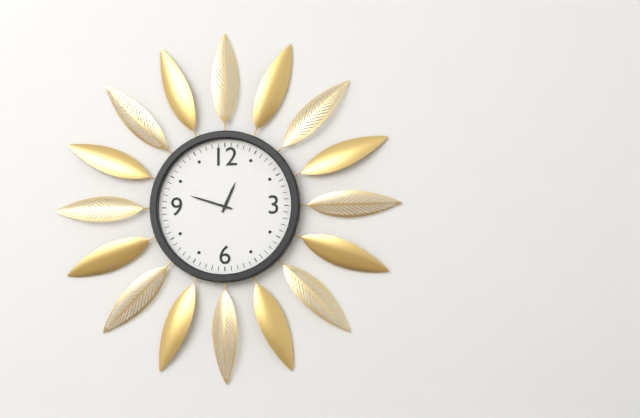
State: 12 h 48 min
